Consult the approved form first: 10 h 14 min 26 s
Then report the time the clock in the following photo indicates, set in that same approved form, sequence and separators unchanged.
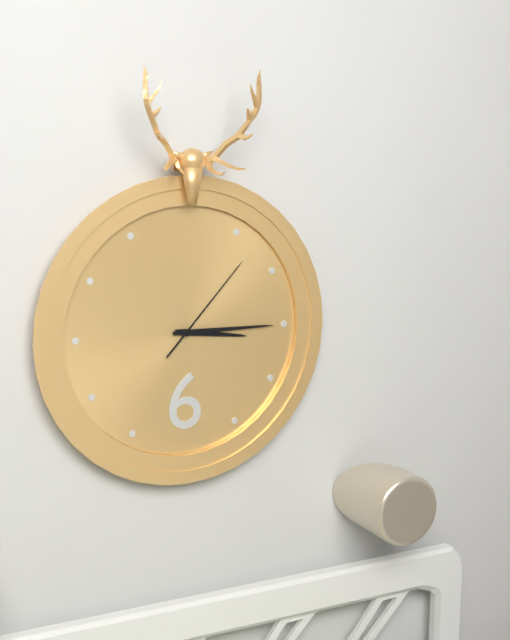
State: 3 h 15 min 07 s
